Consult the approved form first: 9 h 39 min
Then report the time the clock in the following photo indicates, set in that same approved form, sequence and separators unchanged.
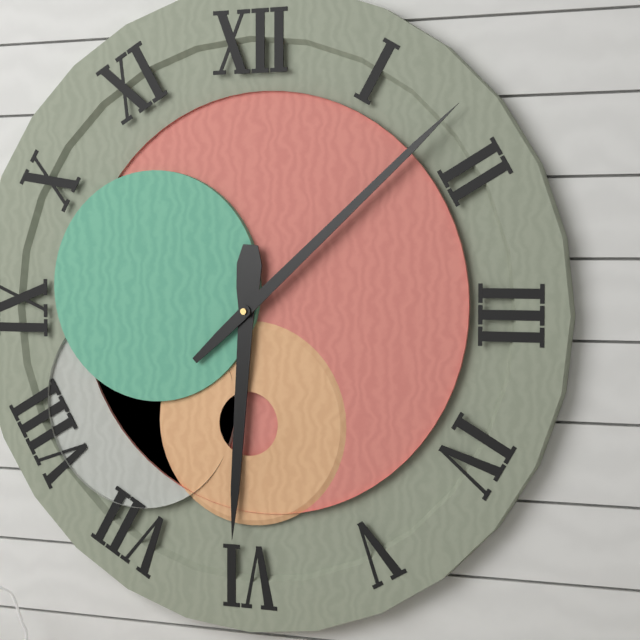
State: 6 h 08 min
